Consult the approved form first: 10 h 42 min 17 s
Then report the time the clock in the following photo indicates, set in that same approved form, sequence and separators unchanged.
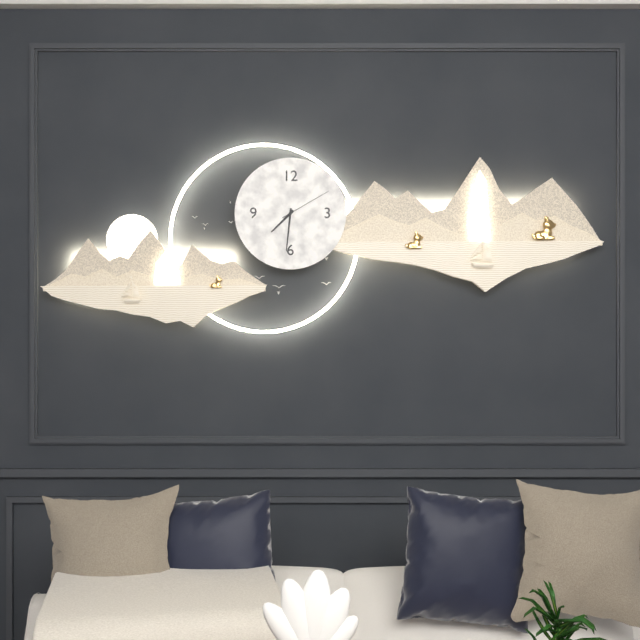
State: 7 h 31 min 10 s
